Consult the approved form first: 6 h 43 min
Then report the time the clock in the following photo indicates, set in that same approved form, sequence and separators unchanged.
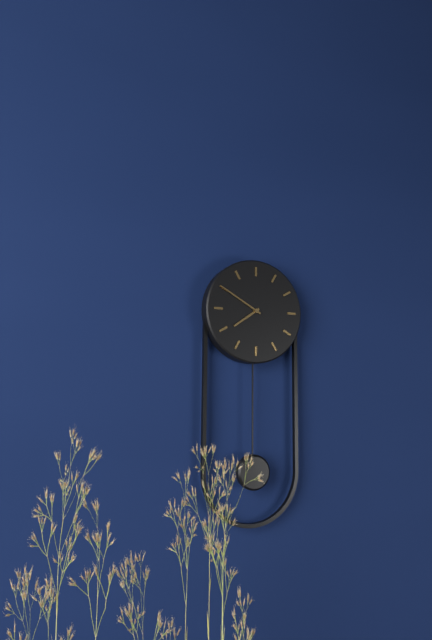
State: 7 h 50 min
